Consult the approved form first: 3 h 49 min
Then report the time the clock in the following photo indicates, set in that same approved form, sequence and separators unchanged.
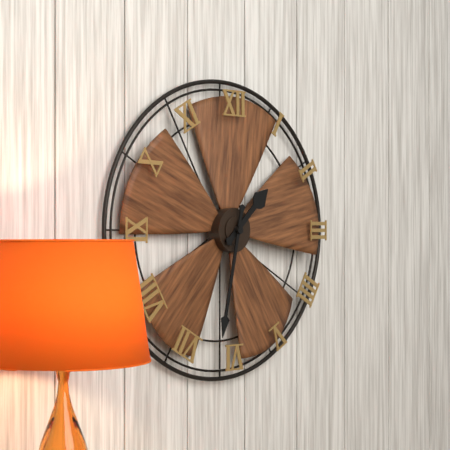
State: 1 h 32 min
